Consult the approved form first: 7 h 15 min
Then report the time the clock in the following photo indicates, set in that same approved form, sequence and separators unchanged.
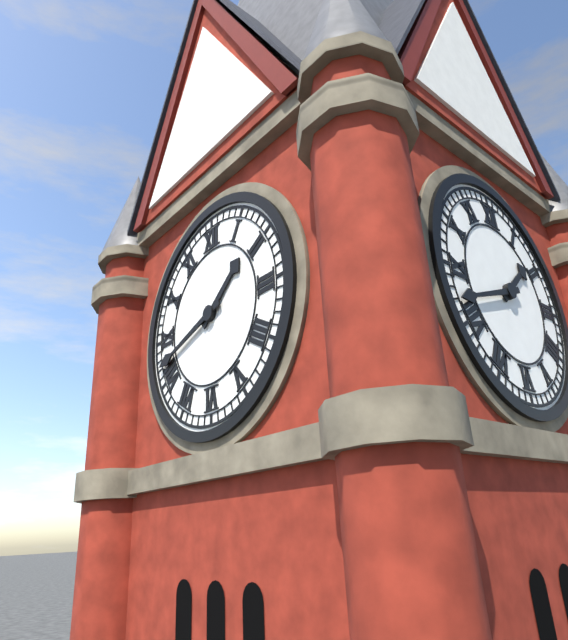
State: 1 h 42 min
